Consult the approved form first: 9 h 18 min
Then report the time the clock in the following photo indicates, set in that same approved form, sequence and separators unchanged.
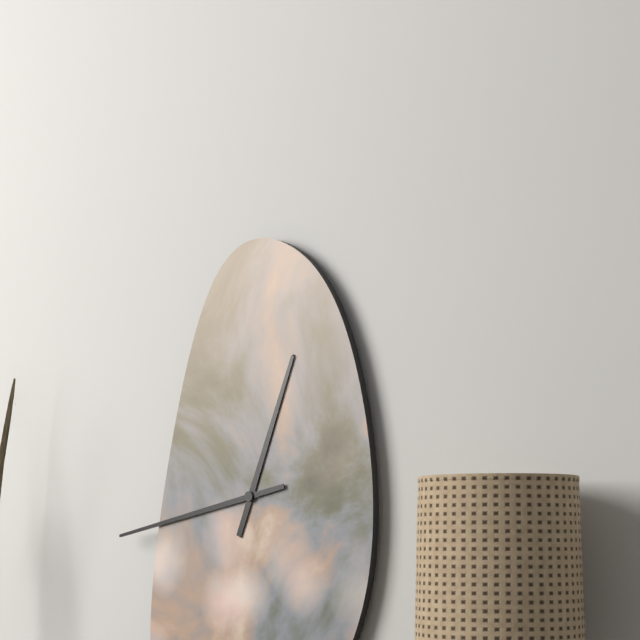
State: 12 h 43 min
